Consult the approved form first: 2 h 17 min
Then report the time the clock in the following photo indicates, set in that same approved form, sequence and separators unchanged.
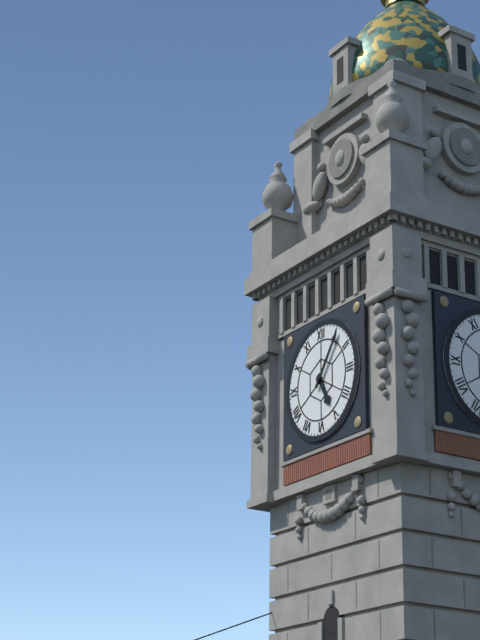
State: 5 h 06 min
